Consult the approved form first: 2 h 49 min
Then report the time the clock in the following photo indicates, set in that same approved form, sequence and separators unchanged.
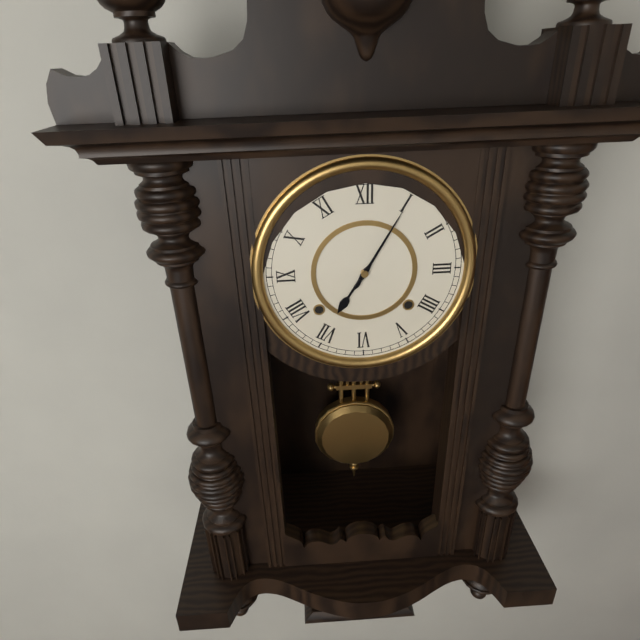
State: 7 h 05 min
